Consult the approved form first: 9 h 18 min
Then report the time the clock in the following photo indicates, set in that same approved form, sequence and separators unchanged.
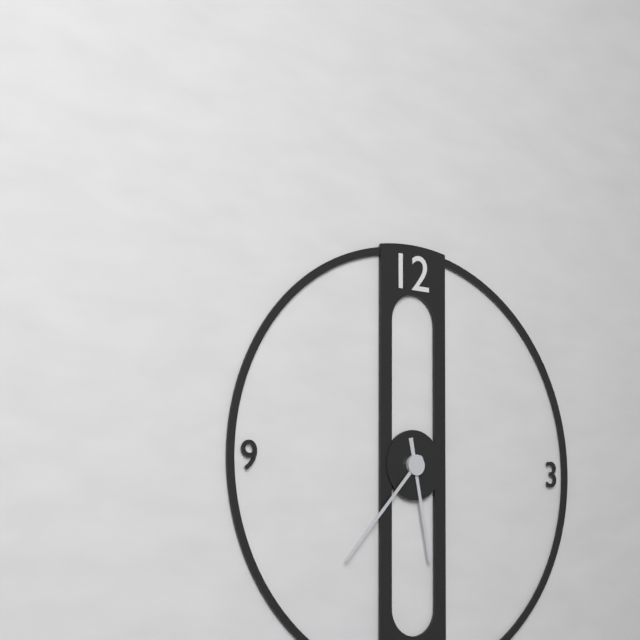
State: 5 h 37 min
